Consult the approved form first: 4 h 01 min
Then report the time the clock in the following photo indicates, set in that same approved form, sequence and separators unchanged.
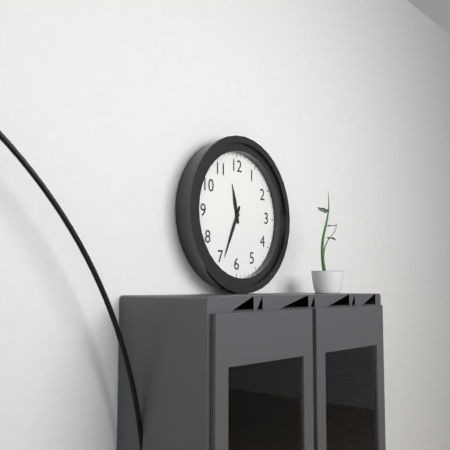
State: 11 h 34 min
